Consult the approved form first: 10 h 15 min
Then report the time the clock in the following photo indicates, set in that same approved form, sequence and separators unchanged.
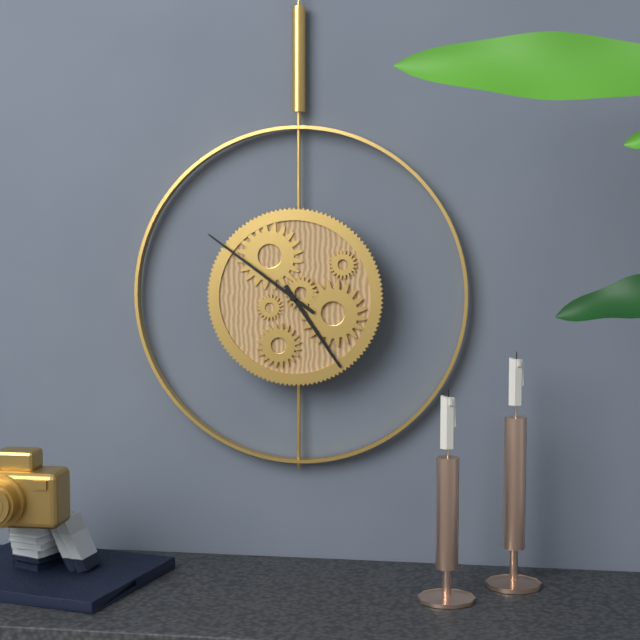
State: 4 h 51 min
